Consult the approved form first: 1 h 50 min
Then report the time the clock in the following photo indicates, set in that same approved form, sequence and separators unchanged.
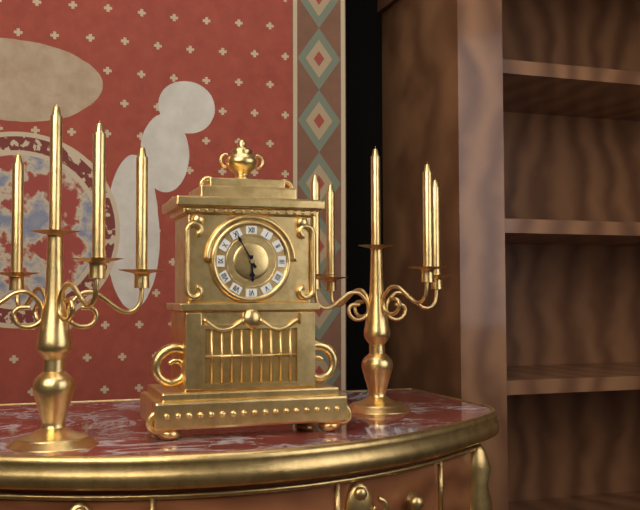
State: 5 h 55 min
